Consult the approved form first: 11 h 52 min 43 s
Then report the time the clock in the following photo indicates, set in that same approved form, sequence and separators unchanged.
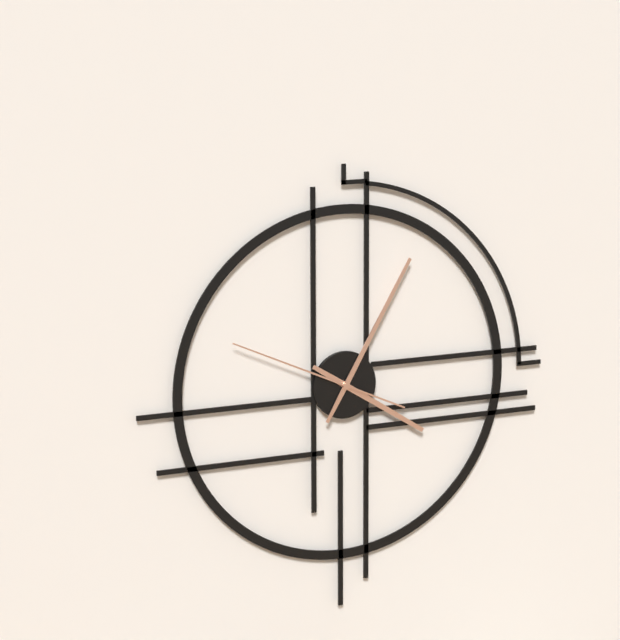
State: 4 h 05 min 49 s
